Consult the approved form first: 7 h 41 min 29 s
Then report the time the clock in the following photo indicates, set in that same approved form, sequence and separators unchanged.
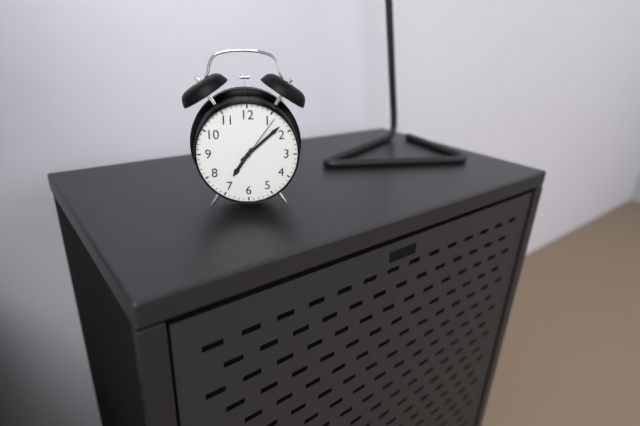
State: 7 h 08 min 06 s
